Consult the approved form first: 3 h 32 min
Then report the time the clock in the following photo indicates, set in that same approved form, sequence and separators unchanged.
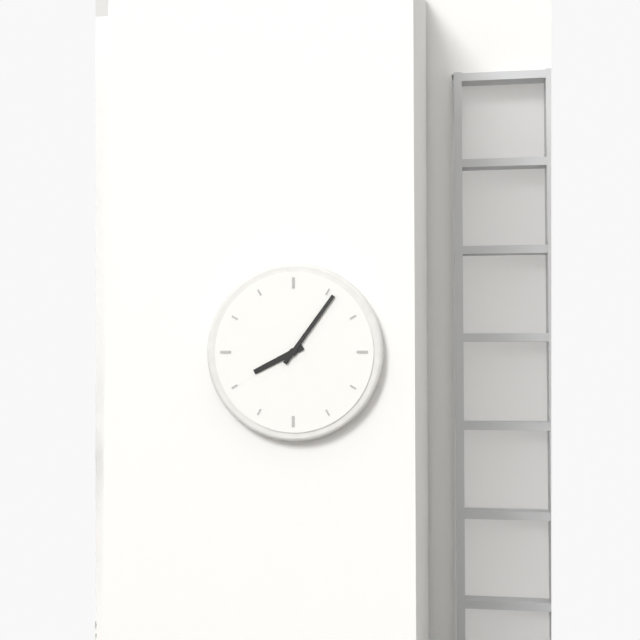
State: 8 h 06 min
